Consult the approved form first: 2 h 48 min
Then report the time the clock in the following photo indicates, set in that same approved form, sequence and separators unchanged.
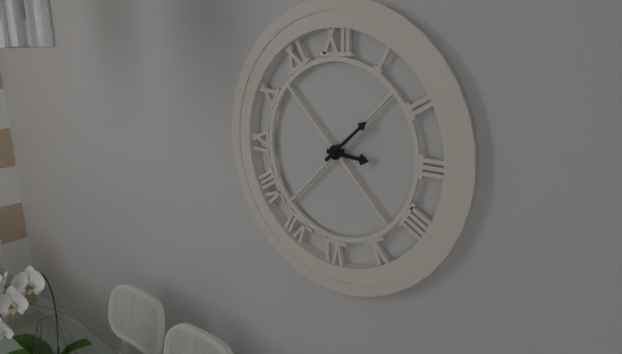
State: 3 h 08 min
